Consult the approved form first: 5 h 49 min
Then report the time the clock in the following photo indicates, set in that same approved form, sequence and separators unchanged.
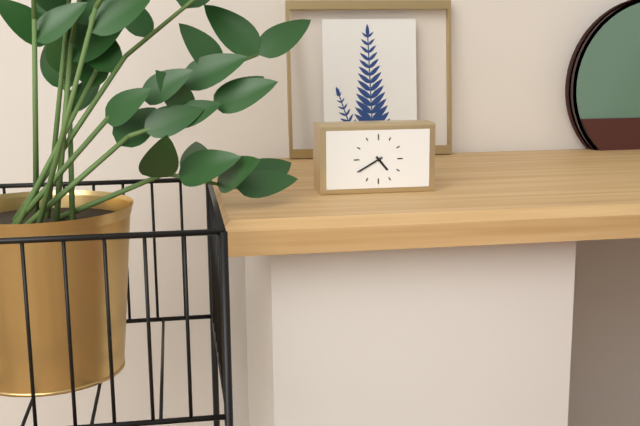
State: 4 h 40 min
